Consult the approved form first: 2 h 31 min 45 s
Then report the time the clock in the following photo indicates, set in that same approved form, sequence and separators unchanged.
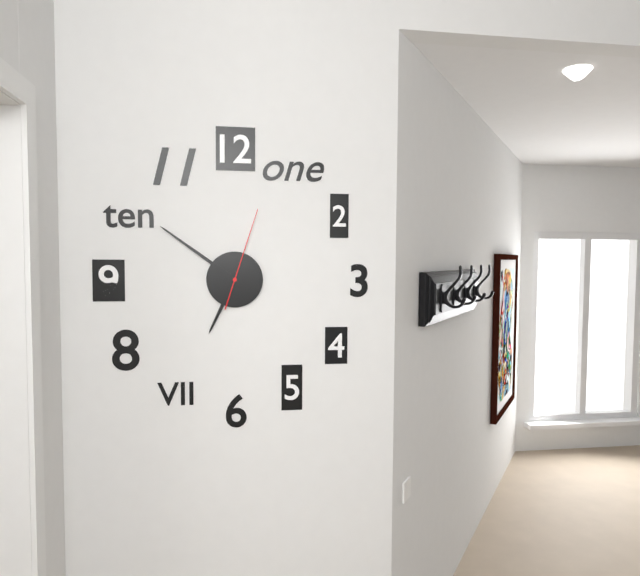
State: 6 h 51 min 03 s
